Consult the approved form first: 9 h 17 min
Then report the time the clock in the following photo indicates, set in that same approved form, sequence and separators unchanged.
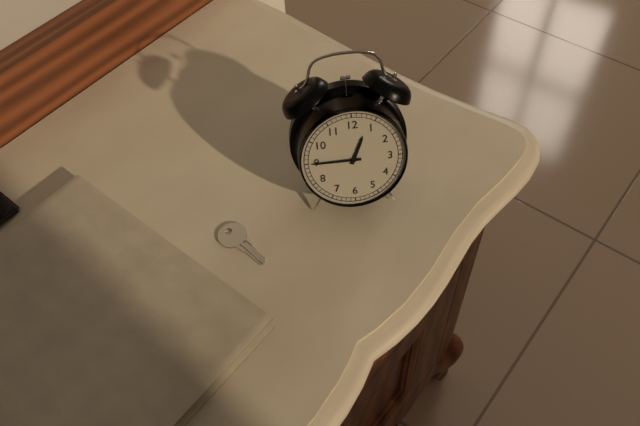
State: 12 h 45 min
